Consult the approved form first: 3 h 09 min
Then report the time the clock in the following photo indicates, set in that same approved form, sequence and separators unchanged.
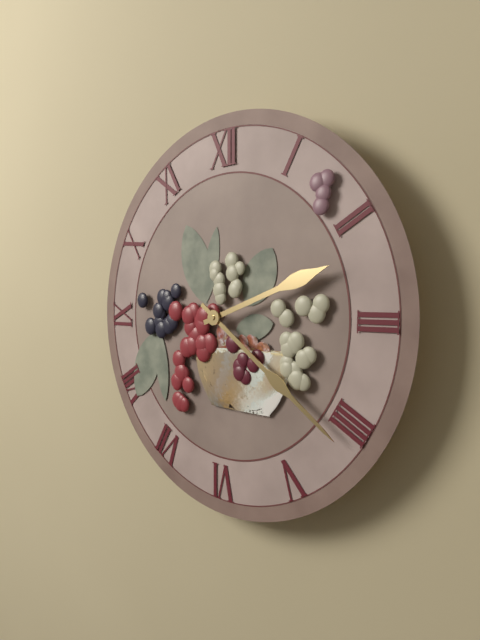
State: 2 h 21 min
